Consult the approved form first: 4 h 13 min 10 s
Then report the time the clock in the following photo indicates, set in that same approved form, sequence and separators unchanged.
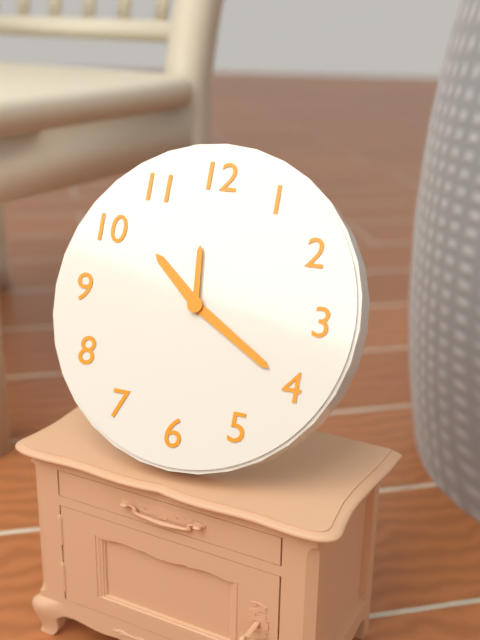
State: 10 h 20 min 59 s
